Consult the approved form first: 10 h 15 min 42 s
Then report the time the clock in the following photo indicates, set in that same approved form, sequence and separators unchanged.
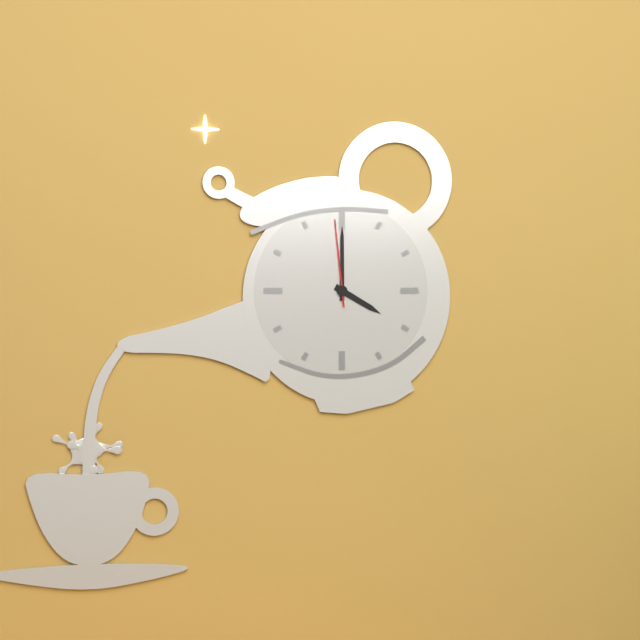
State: 4 h 00 min 59 s
